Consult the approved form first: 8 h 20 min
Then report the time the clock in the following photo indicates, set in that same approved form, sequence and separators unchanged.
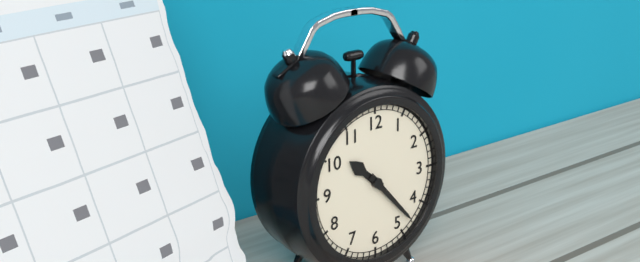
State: 10 h 23 min
